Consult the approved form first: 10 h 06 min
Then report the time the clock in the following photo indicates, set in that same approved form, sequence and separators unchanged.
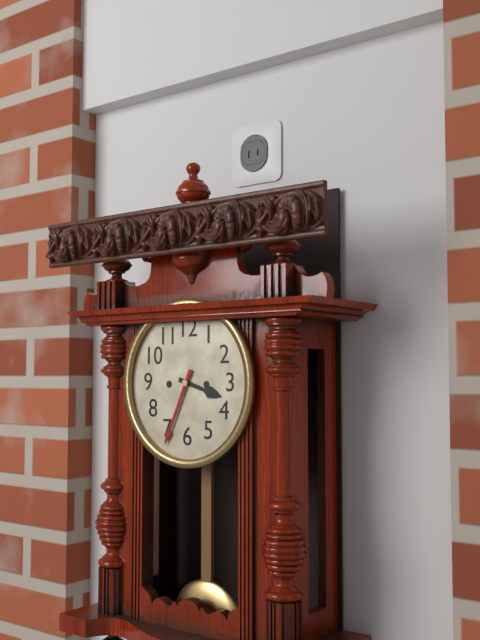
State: 3 h 34 min
